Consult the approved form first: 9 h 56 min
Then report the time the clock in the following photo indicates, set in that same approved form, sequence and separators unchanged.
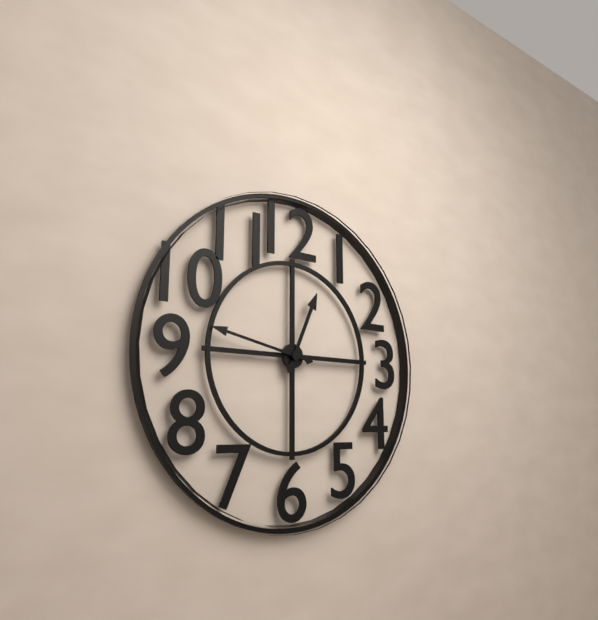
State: 12 h 47 min
